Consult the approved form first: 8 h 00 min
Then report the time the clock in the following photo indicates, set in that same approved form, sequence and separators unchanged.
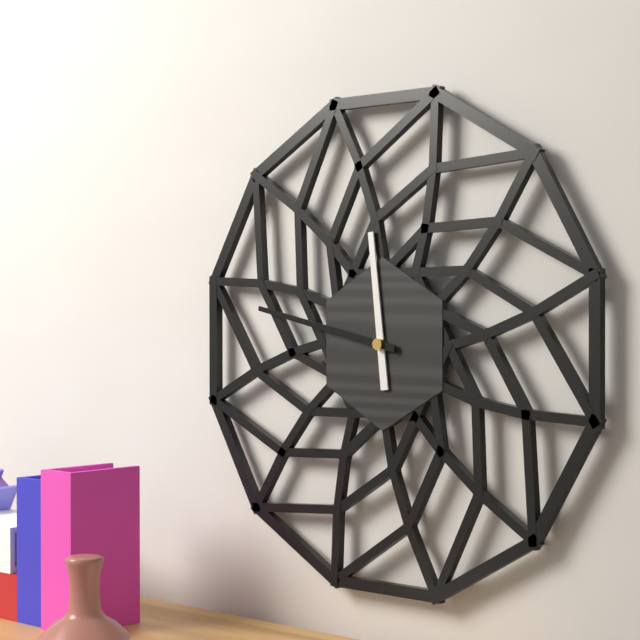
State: 11 h 47 min
